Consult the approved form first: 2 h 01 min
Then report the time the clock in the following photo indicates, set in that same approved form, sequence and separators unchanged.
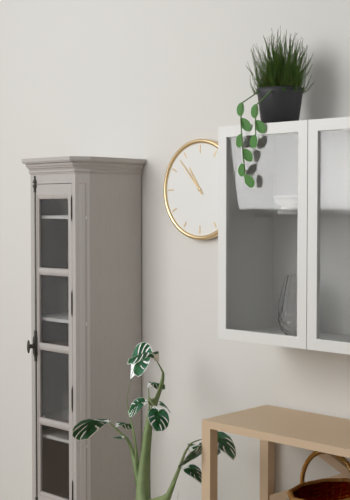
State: 10 h 53 min
